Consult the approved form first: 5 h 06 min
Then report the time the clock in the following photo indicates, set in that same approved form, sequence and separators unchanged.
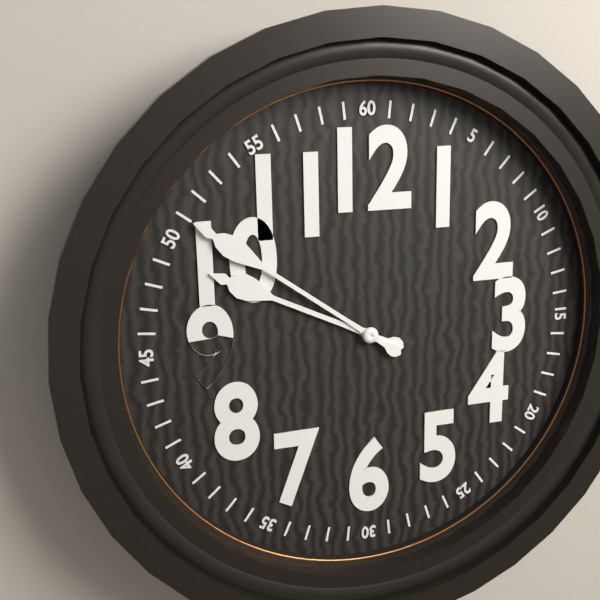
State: 9 h 51 min
